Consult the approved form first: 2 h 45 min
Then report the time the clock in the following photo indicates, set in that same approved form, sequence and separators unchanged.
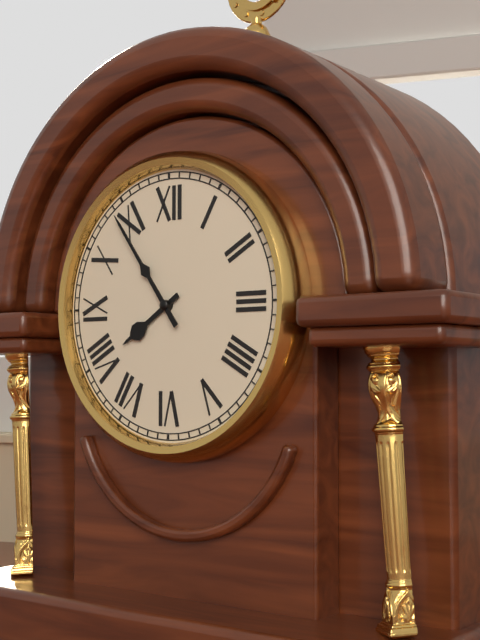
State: 7 h 54 min
